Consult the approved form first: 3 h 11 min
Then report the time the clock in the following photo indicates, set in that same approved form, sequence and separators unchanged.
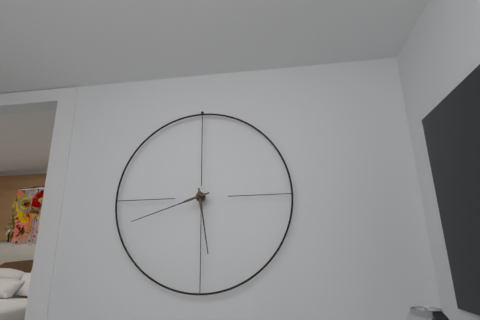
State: 5 h 42 min
